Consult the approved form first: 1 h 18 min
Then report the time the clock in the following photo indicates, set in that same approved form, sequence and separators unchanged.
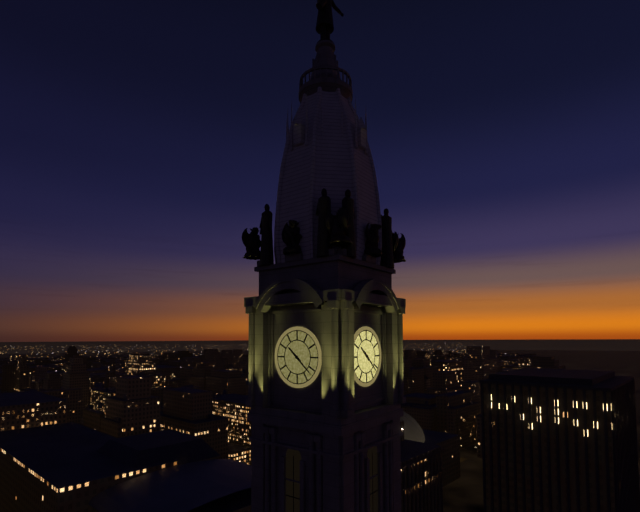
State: 10 h 22 min
